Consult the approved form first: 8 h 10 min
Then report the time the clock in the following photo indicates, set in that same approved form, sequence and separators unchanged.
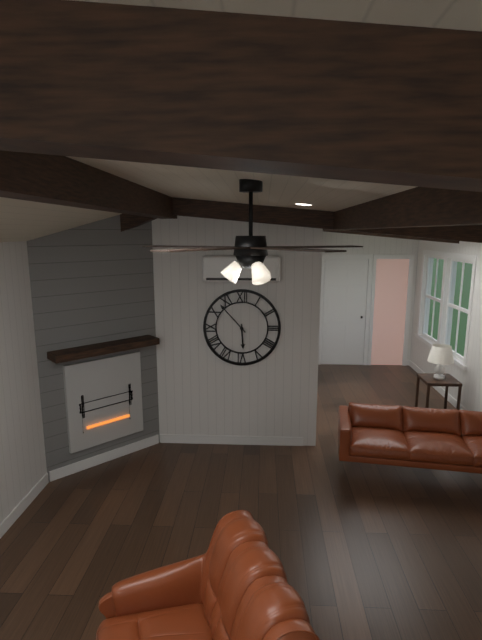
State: 5 h 53 min
